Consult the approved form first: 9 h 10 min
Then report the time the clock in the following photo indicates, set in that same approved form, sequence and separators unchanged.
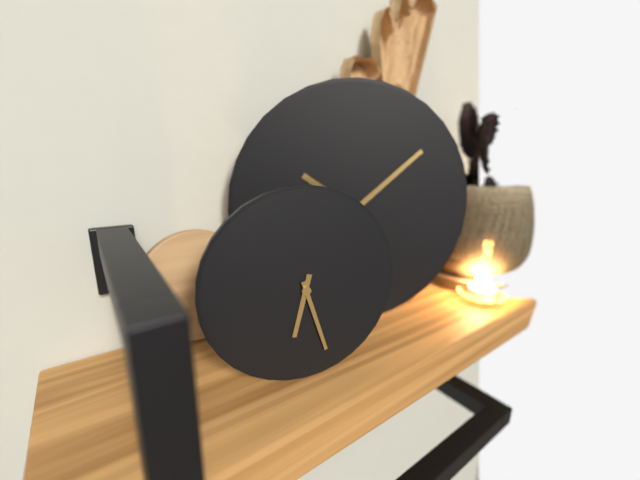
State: 6 h 27 min
